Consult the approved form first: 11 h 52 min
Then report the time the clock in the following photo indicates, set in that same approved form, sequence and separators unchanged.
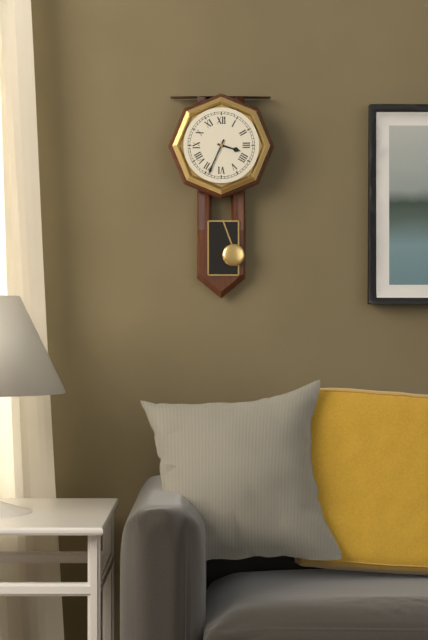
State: 3 h 34 min
